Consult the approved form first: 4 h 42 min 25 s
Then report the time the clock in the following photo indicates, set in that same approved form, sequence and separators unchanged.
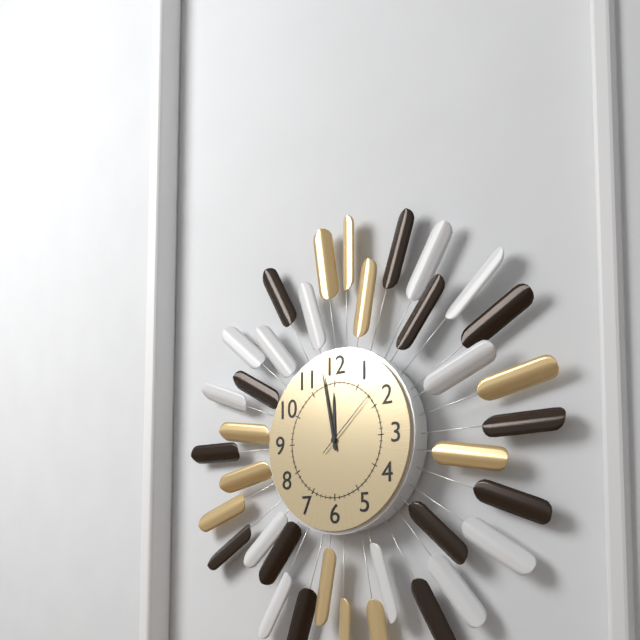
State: 11 h 58 min 08 s
